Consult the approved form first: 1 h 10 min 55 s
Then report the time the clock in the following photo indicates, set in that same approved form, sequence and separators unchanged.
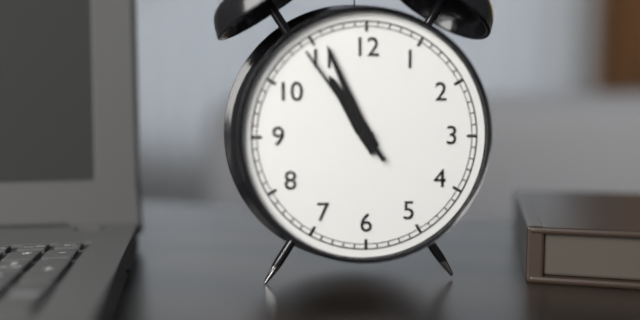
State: 10 h 56 min 54 s
